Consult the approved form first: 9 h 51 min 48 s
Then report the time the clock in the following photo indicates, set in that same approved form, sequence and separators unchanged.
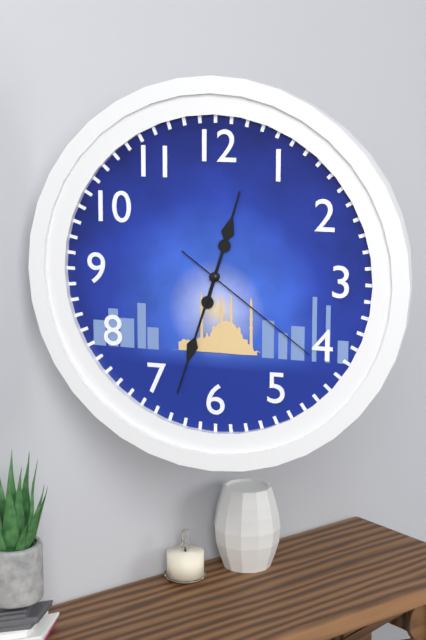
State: 12 h 33 min 21 s
